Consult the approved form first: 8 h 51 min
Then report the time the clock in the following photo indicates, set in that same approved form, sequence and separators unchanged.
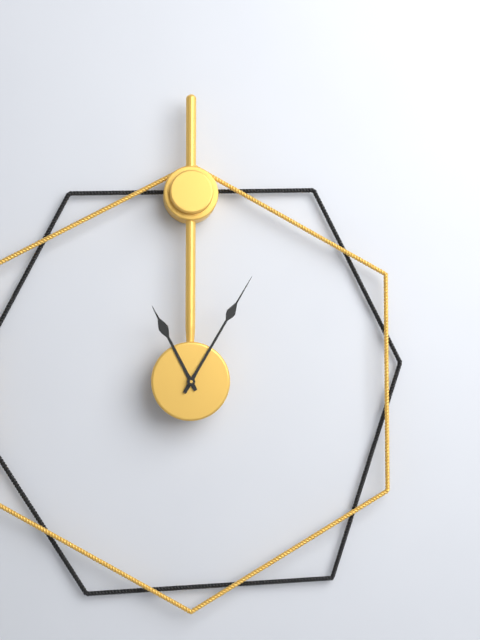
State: 11 h 05 min
